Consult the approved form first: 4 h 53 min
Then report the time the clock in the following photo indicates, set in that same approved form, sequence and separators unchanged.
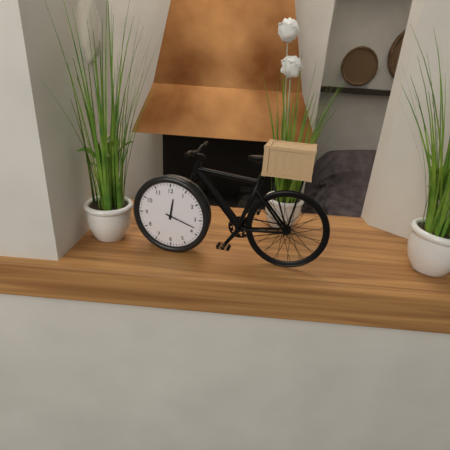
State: 12 h 18 min
